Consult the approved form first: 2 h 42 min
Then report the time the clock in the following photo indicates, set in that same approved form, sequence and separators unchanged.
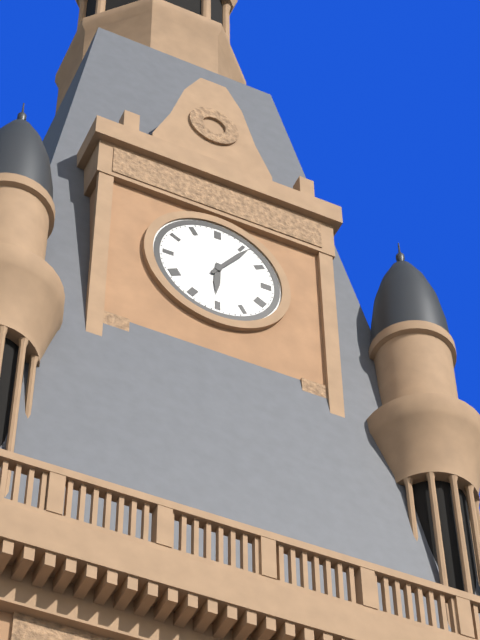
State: 6 h 06 min
